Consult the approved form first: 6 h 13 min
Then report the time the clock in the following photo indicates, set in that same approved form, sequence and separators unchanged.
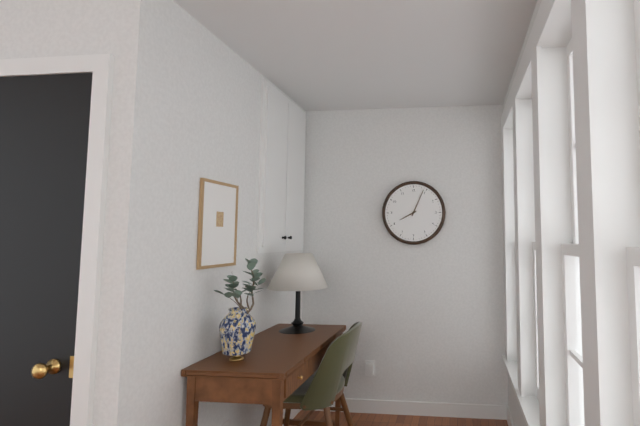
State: 8 h 04 min
